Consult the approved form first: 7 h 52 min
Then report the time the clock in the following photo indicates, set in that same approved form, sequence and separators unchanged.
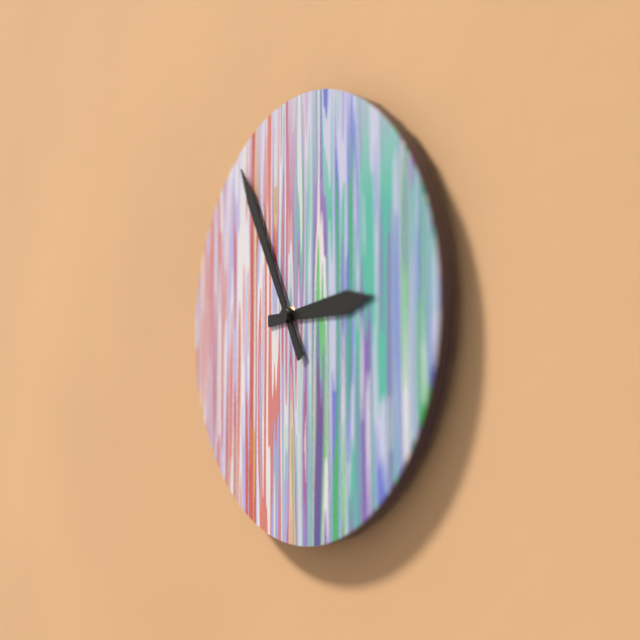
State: 2 h 55 min
